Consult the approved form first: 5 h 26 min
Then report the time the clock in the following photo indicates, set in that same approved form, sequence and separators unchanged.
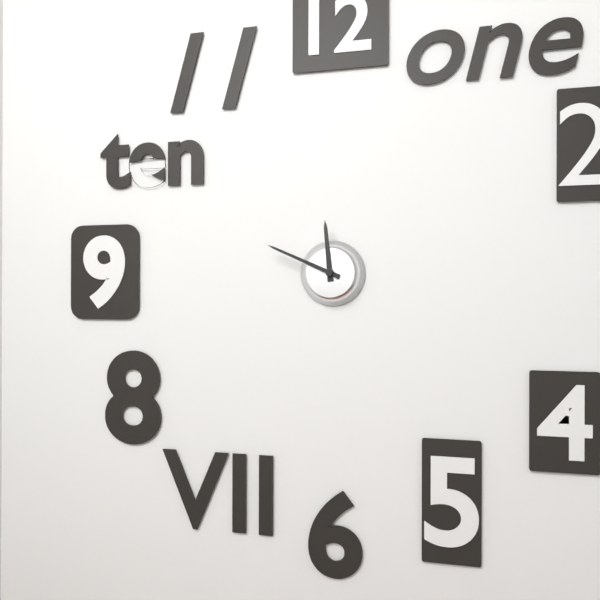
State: 11 h 49 min
